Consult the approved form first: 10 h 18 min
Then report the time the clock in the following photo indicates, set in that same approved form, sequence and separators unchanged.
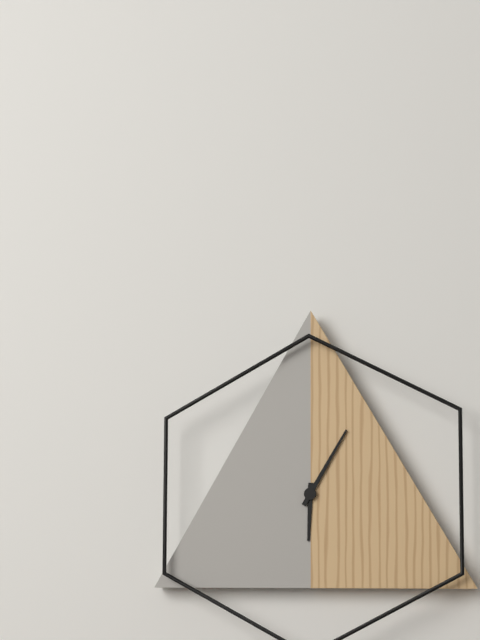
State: 6 h 05 min
